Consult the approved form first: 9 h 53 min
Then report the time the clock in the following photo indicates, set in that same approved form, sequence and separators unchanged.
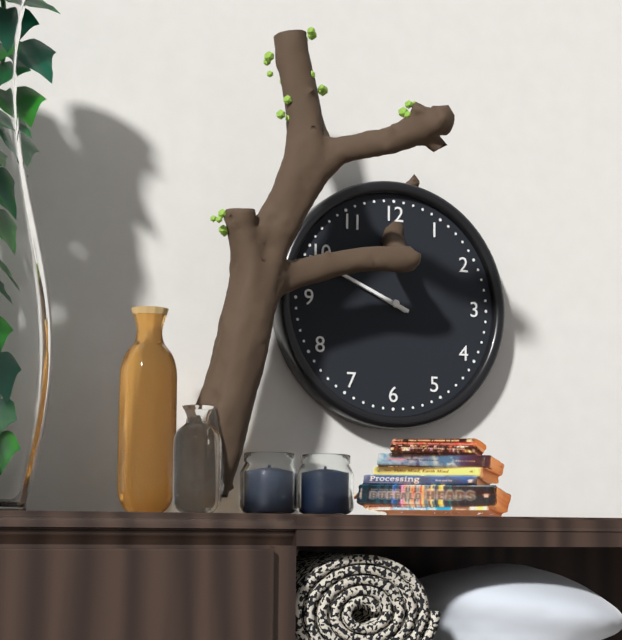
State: 9 h 49 min
